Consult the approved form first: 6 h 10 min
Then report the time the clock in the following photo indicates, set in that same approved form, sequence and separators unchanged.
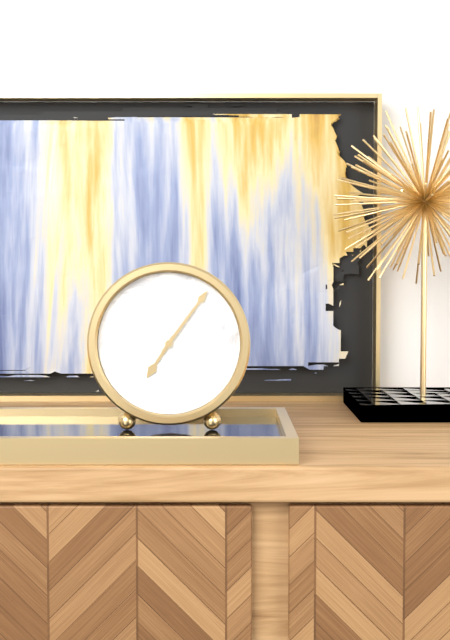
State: 7 h 06 min
